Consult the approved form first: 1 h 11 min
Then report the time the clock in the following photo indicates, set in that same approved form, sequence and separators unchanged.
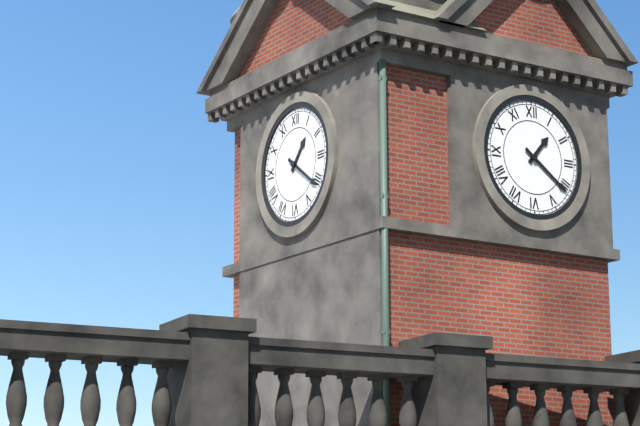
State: 1 h 21 min
